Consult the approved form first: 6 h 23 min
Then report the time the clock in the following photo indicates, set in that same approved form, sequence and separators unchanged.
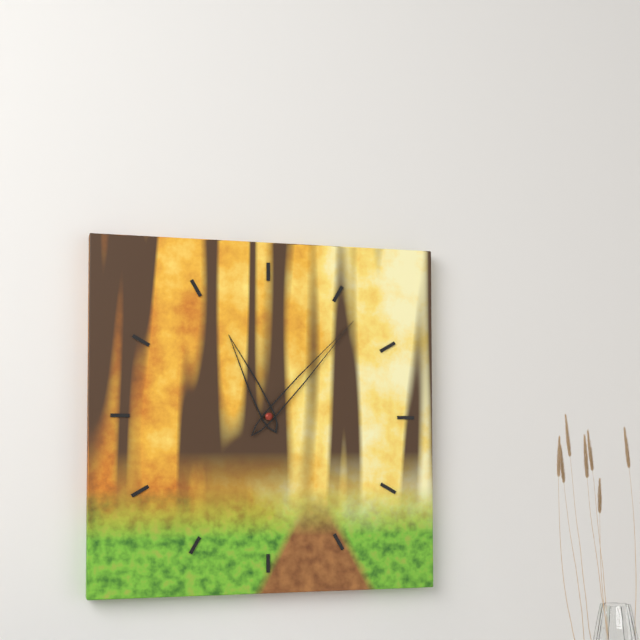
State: 11 h 07 min
